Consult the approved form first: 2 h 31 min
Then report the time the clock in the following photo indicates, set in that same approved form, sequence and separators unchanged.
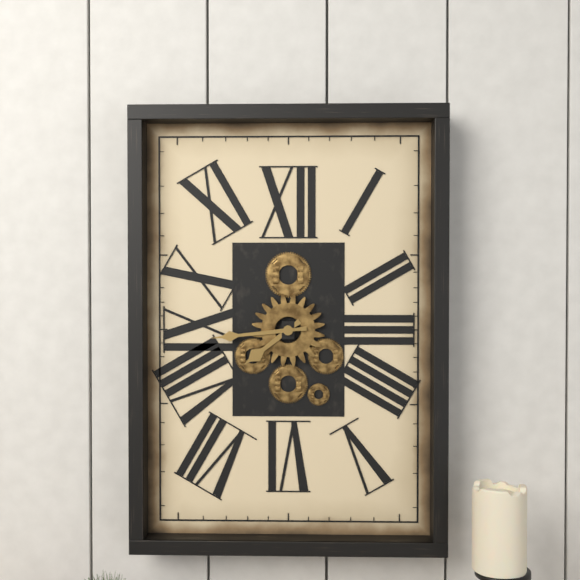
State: 7 h 44 min
